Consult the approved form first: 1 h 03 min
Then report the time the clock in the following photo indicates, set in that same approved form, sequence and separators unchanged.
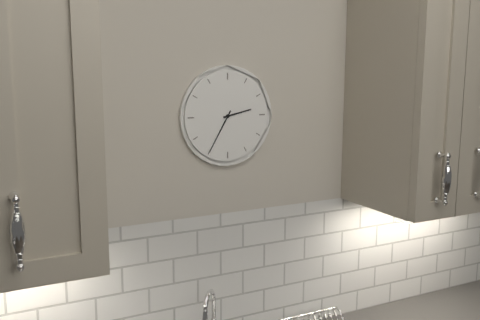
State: 2 h 35 min
